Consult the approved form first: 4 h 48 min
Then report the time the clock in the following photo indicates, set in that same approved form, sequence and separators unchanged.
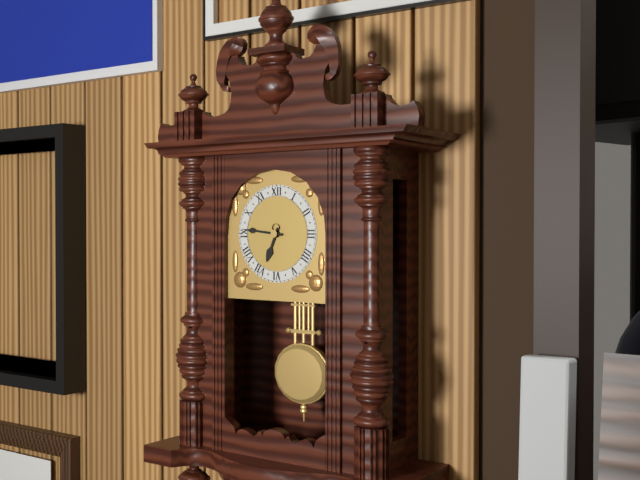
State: 6 h 46 min
